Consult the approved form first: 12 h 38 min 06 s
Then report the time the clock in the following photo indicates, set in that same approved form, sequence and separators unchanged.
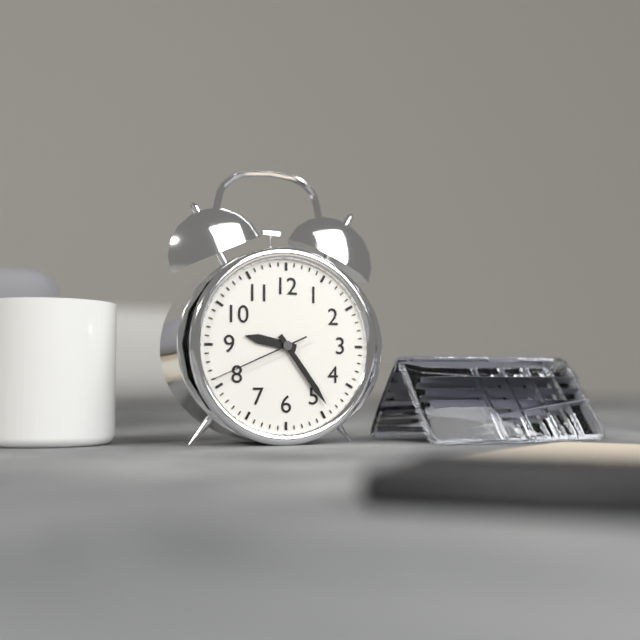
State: 9 h 24 min 41 s
